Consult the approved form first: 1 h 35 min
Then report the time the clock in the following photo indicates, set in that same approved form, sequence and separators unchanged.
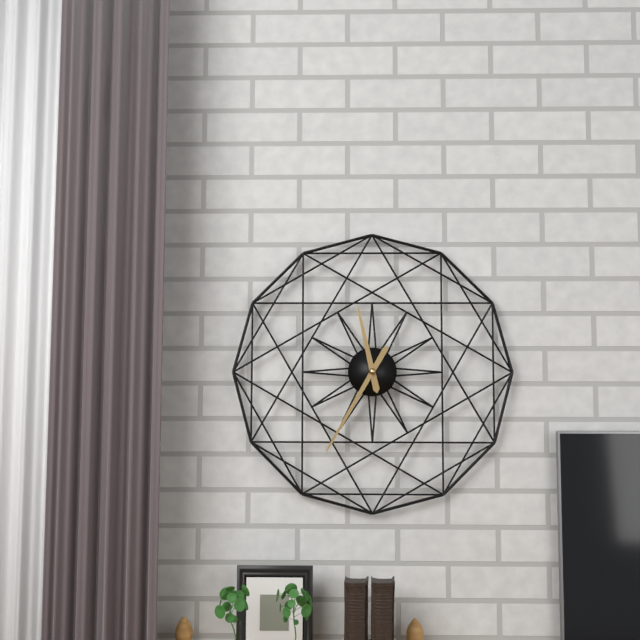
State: 11 h 35 min
